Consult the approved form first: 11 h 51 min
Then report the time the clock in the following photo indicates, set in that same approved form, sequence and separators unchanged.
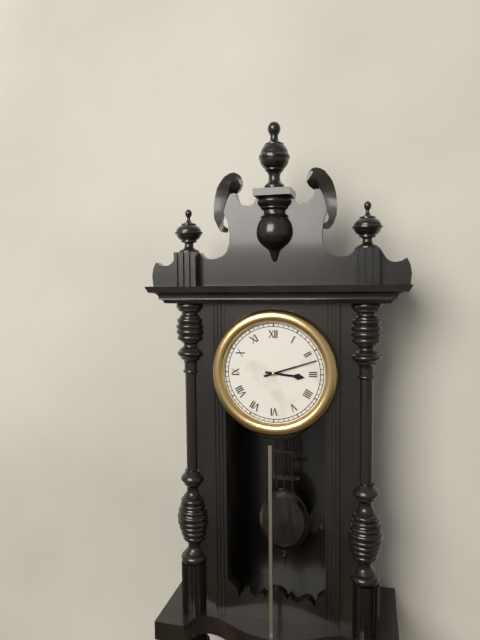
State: 3 h 12 min
